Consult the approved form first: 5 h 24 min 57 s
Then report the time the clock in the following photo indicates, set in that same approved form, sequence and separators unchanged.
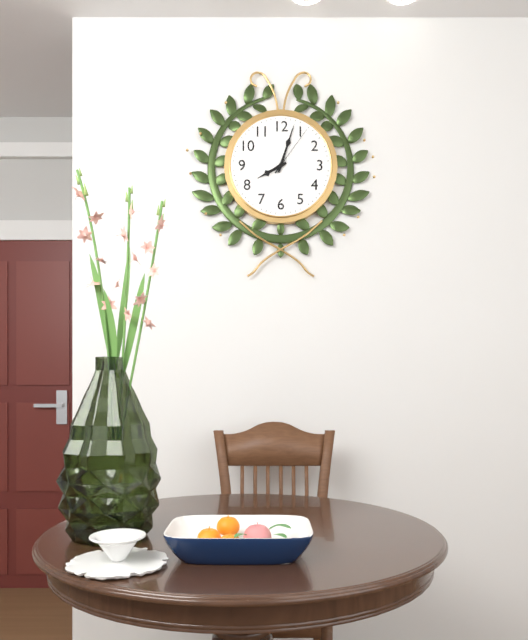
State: 8 h 03 min 06 s
